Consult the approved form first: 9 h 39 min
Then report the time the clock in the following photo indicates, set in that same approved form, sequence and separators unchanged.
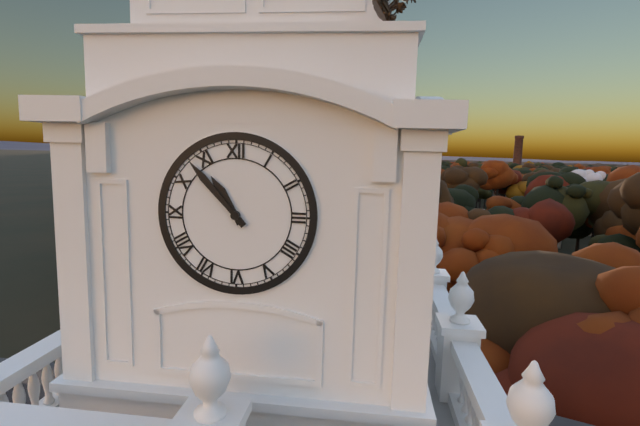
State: 10 h 53 min
